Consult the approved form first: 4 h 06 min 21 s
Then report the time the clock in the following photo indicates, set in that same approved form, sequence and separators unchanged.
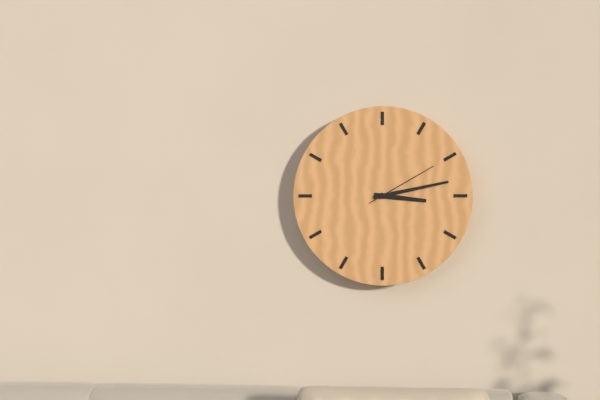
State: 3 h 13 min 10 s
